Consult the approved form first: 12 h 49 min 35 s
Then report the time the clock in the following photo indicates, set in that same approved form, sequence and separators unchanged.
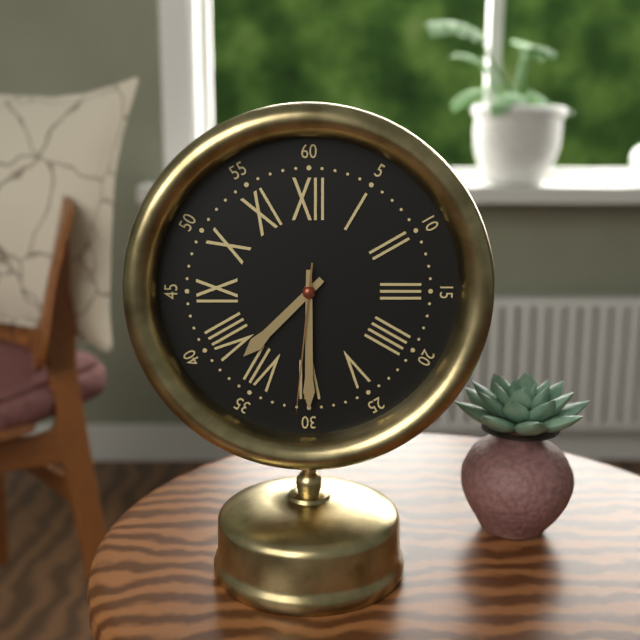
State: 7 h 30 min 31 s
